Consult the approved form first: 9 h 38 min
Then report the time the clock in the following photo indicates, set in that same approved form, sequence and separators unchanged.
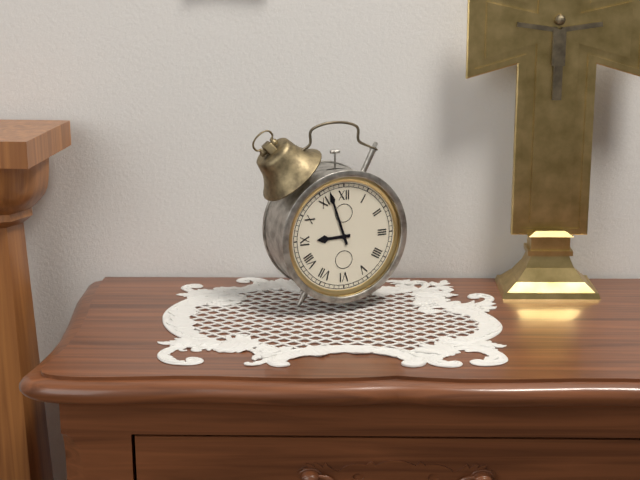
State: 8 h 57 min
